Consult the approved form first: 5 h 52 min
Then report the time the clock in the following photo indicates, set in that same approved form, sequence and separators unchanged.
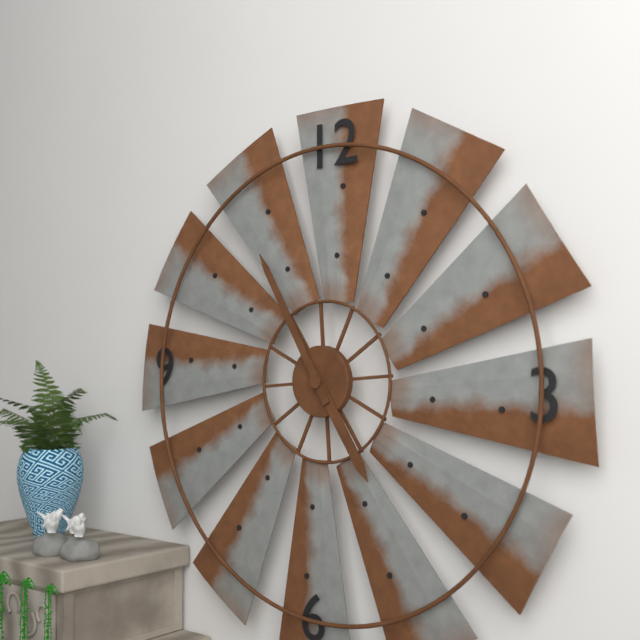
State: 4 h 55 min
